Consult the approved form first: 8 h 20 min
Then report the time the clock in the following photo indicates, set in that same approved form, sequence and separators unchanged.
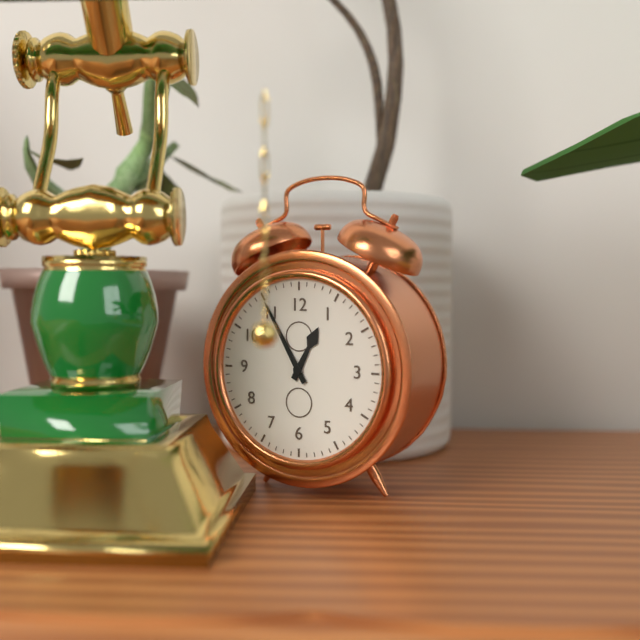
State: 12 h 55 min
